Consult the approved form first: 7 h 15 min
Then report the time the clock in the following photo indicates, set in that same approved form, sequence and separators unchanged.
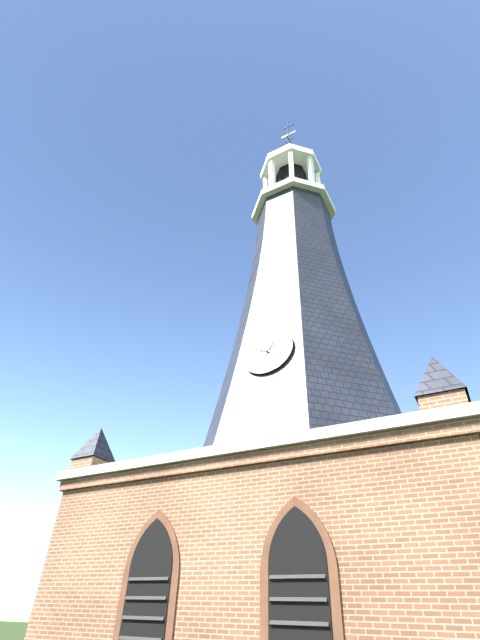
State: 12 h 50 min
